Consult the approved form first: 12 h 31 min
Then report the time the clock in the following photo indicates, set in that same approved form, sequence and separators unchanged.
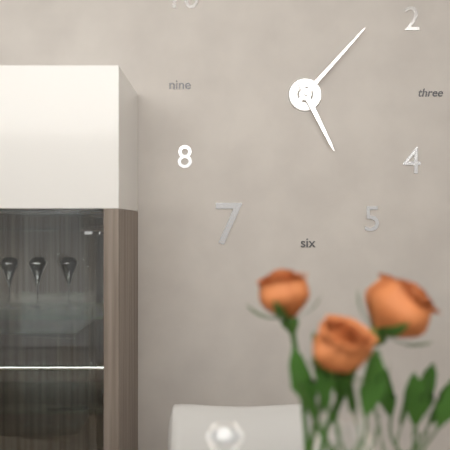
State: 5 h 07 min
